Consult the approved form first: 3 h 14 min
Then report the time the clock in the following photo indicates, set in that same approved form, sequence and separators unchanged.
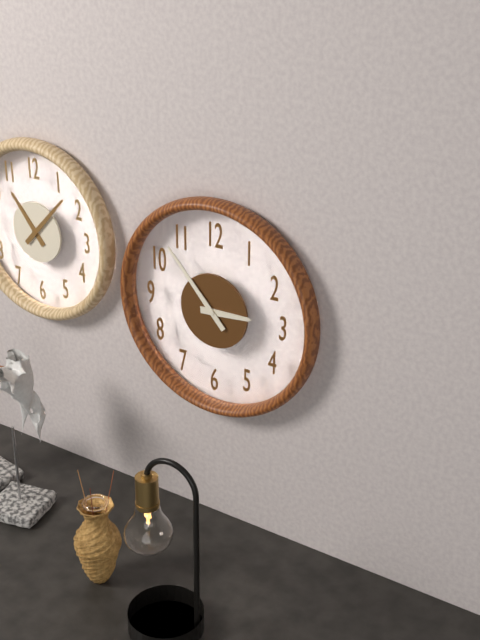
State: 2 h 53 min
